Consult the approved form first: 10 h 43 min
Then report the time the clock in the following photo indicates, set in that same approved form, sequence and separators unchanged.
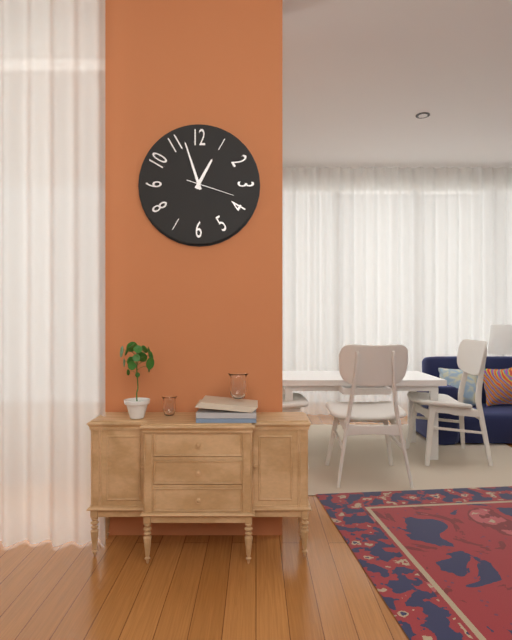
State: 12 h 57 min
